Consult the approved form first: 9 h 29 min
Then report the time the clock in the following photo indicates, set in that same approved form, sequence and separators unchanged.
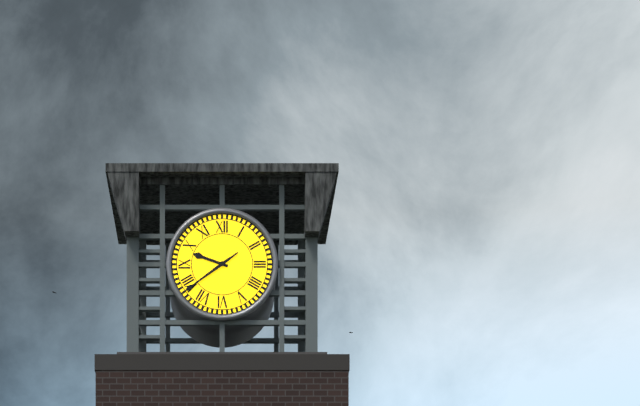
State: 9 h 39 min
